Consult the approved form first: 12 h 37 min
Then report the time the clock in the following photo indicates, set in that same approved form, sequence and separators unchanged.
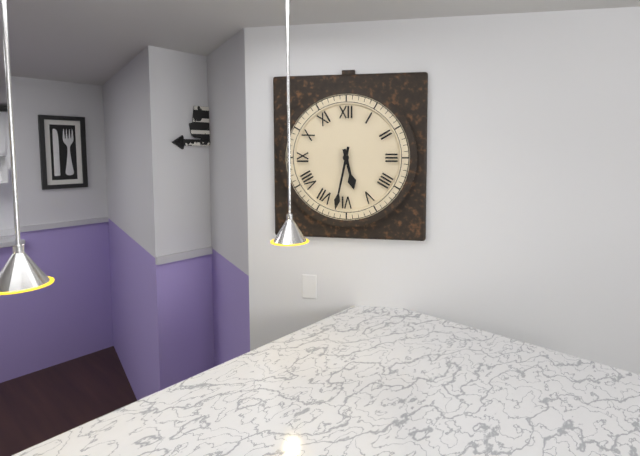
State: 5 h 32 min
